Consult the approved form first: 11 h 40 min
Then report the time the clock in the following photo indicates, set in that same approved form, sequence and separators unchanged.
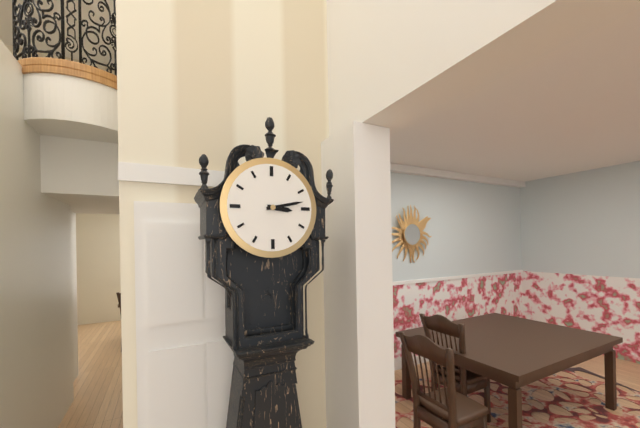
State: 3 h 13 min
